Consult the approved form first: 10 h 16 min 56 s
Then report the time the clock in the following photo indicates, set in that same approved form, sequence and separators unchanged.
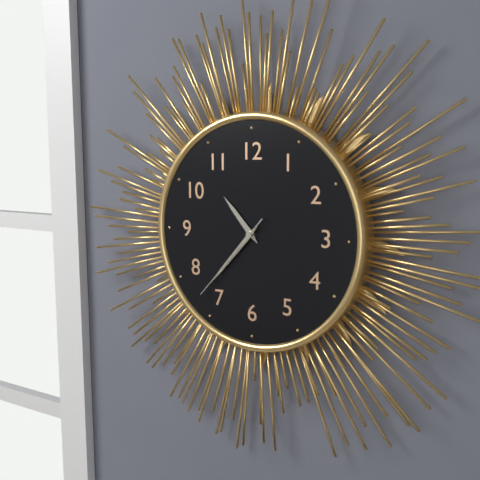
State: 10 h 37 min 37 s
